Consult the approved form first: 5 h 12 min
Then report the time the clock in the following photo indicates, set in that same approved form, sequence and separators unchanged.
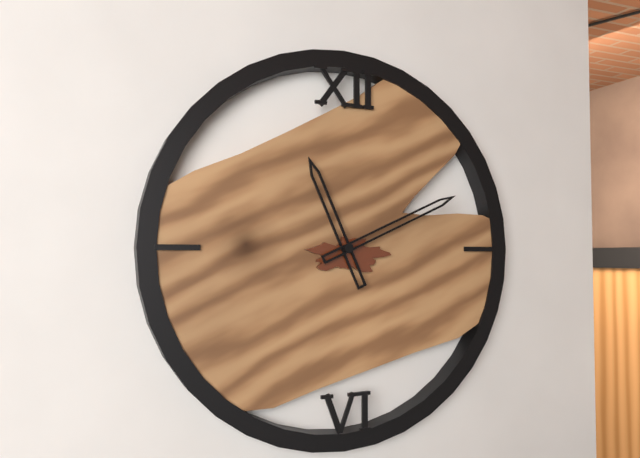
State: 11 h 11 min
